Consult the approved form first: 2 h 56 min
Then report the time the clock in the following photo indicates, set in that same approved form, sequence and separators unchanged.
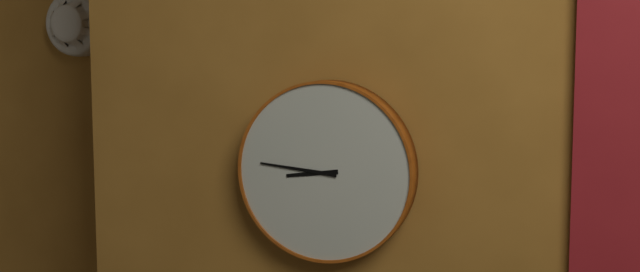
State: 8 h 46 min
